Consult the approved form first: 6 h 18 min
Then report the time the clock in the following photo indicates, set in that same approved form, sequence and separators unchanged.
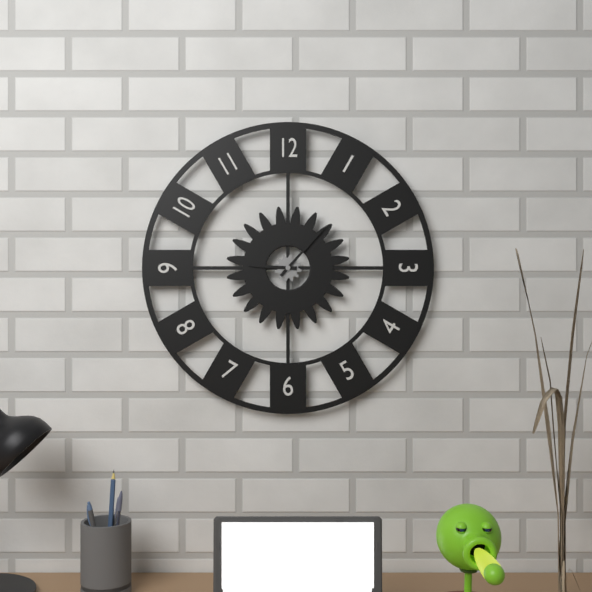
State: 9 h 07 min
